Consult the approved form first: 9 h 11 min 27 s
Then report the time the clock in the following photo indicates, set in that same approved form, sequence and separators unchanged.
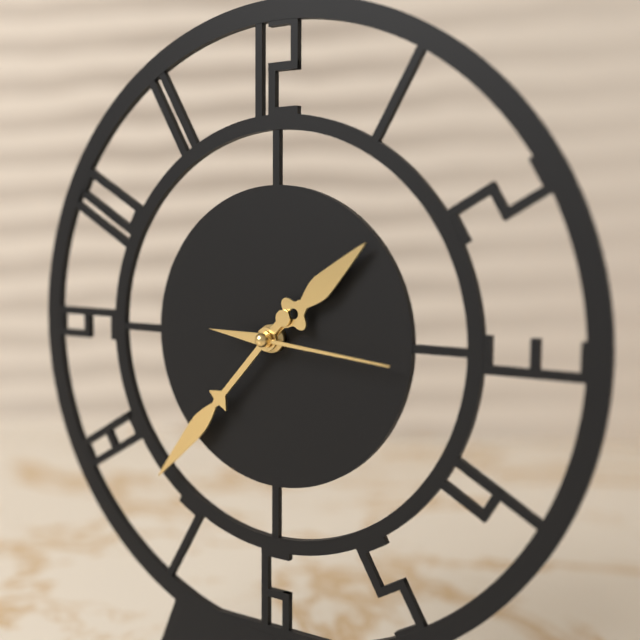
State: 1 h 37 min 16 s
